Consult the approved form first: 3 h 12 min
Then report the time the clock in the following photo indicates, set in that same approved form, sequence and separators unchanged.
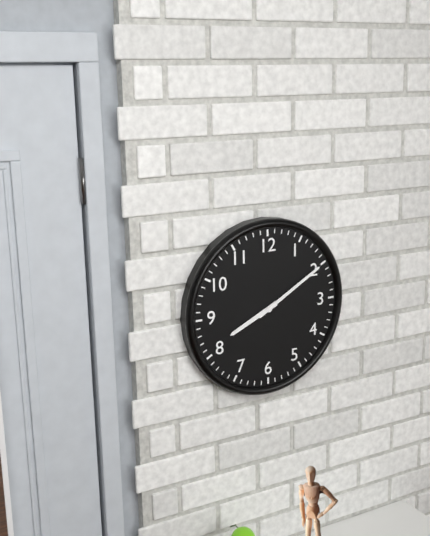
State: 8 h 10 min
